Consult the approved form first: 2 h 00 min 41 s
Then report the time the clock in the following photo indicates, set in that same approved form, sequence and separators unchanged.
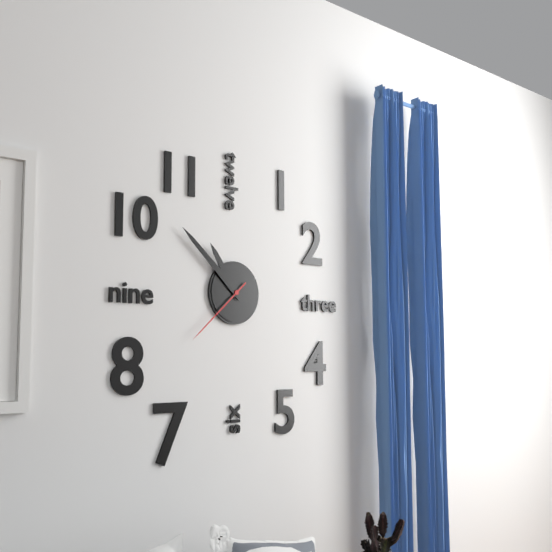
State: 10 h 52 min 38 s
